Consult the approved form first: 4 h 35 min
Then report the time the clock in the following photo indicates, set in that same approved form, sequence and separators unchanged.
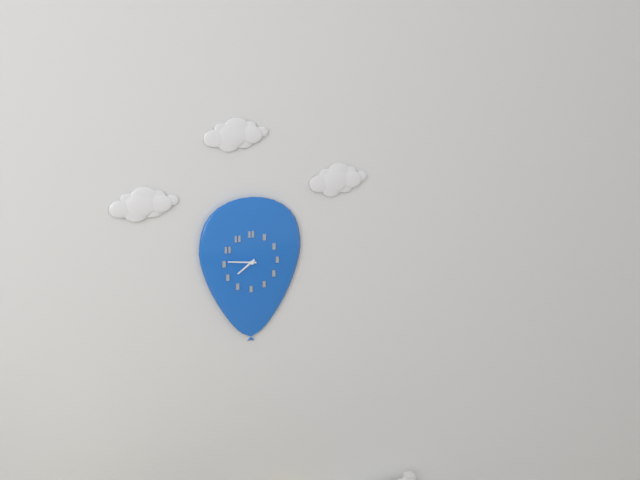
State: 7 h 46 min
